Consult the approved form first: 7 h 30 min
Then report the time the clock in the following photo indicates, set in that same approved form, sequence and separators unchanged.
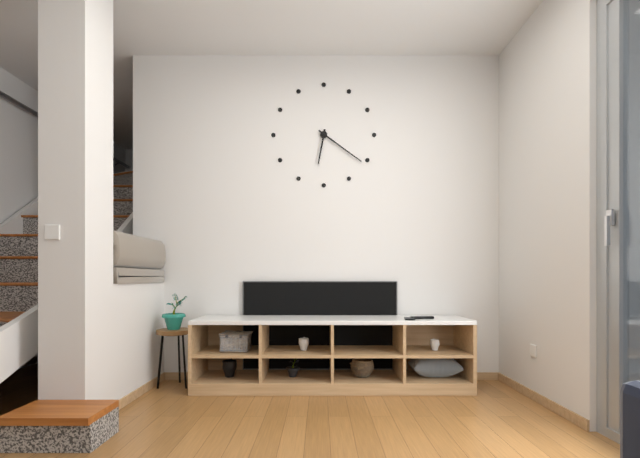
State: 6 h 21 min
